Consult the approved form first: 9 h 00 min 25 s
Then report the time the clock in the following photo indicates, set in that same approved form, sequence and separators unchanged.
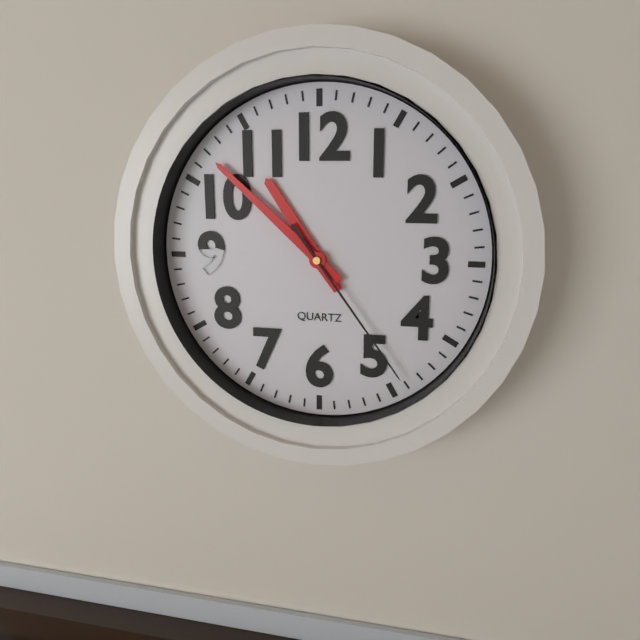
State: 10 h 52 min 24 s
